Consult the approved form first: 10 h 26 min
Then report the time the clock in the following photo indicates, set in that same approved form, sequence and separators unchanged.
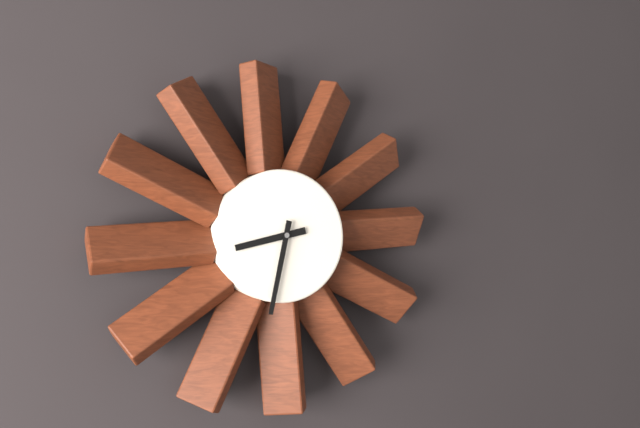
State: 8 h 32 min
